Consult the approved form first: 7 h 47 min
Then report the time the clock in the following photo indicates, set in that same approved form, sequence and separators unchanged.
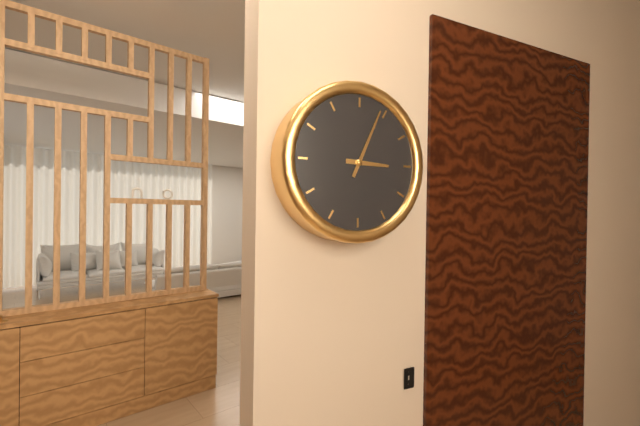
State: 3 h 04 min
